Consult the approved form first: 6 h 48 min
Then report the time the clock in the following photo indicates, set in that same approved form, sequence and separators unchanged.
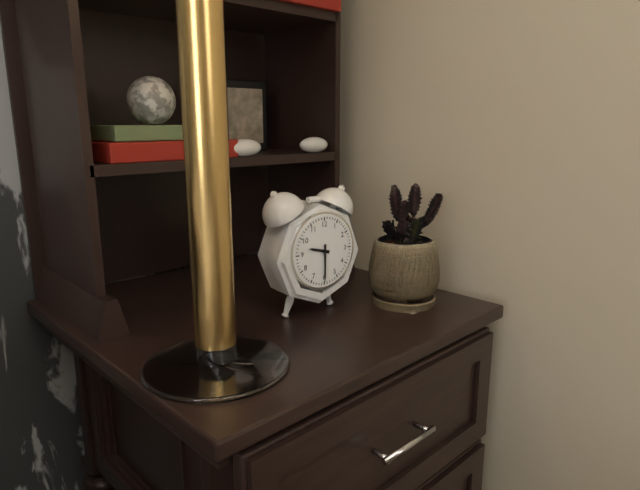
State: 9 h 30 min
